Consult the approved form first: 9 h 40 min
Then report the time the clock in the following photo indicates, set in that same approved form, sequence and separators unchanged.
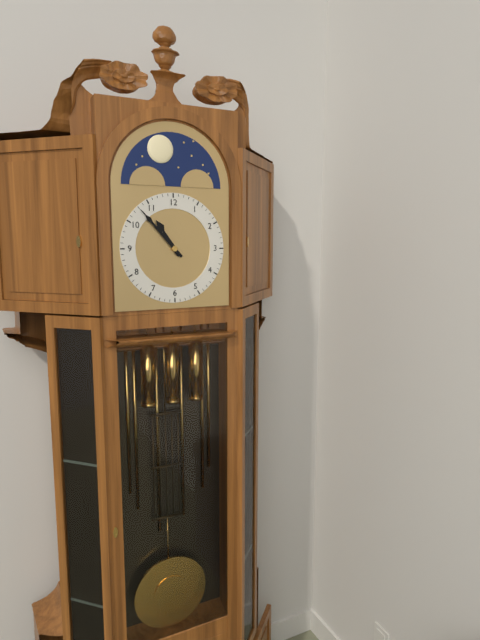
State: 10 h 53 min
